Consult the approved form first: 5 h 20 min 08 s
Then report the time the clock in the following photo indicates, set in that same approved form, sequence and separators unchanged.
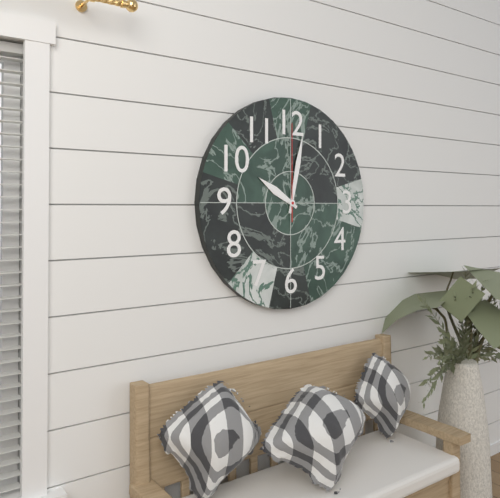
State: 10 h 02 min 00 s
